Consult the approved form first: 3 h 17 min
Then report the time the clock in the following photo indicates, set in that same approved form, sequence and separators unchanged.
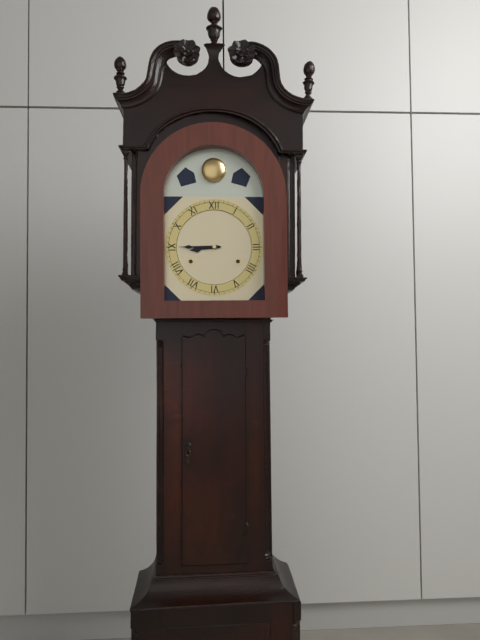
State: 8 h 45 min
